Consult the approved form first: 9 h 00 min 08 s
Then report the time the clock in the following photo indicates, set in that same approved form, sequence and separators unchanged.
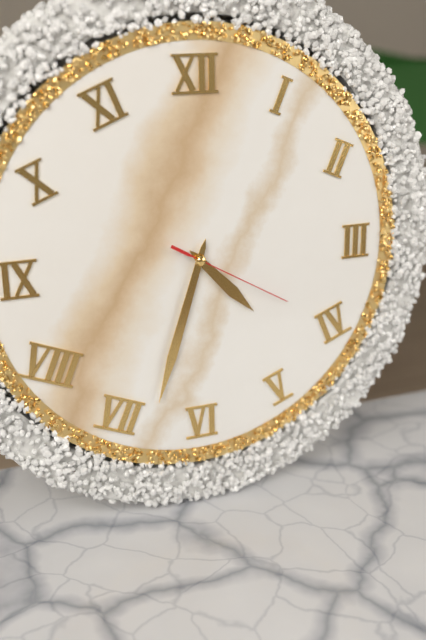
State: 4 h 33 min 20 s
